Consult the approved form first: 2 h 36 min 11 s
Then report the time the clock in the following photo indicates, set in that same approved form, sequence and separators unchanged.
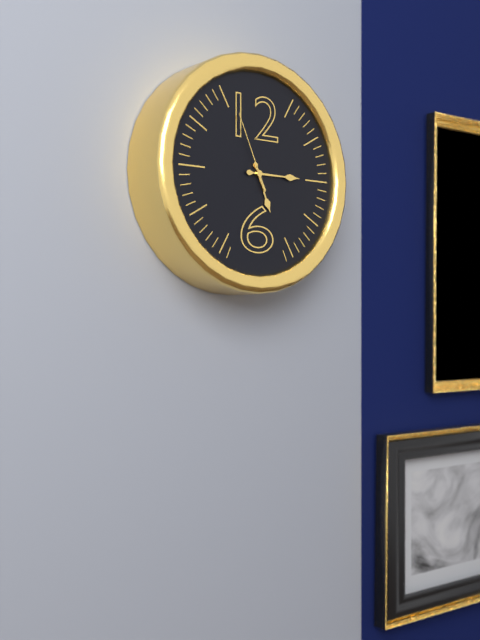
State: 5 h 15 min 56 s
